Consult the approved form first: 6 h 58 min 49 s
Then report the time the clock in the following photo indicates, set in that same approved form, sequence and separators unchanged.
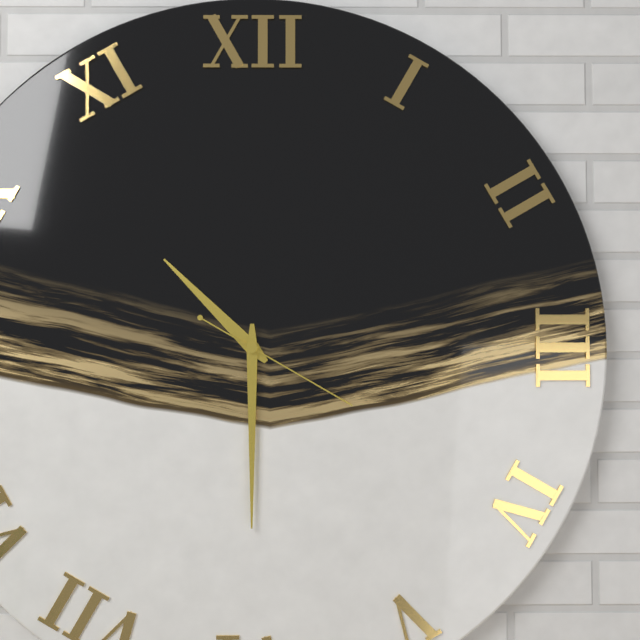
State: 10 h 30 min 20 s
